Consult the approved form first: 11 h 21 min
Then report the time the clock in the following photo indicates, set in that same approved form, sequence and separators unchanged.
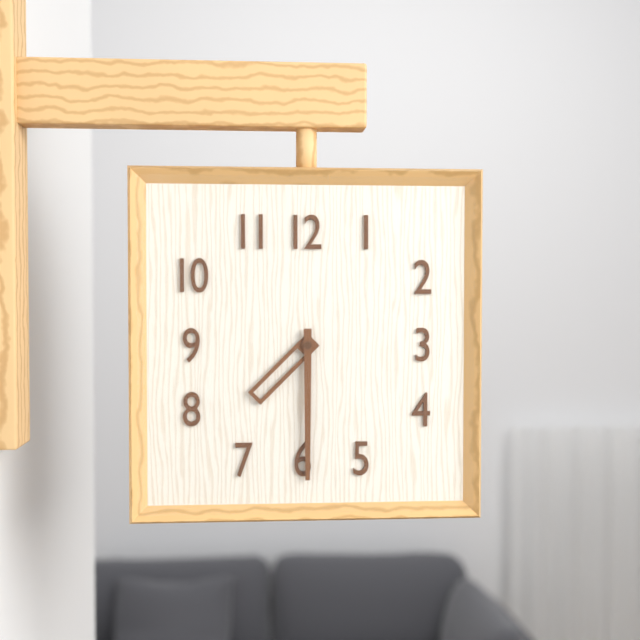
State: 7 h 30 min
